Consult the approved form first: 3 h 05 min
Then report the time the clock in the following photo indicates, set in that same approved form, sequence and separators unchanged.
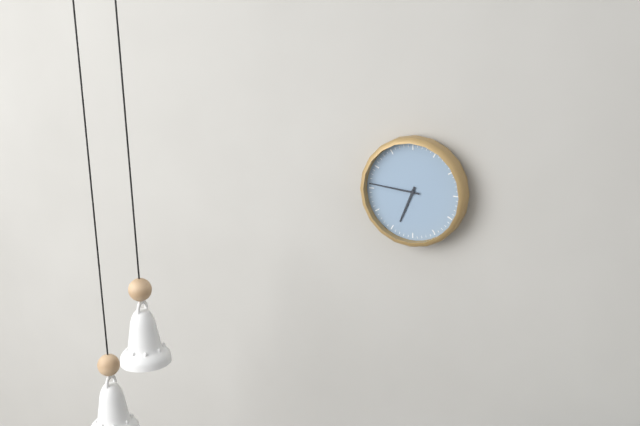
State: 6 h 46 min
